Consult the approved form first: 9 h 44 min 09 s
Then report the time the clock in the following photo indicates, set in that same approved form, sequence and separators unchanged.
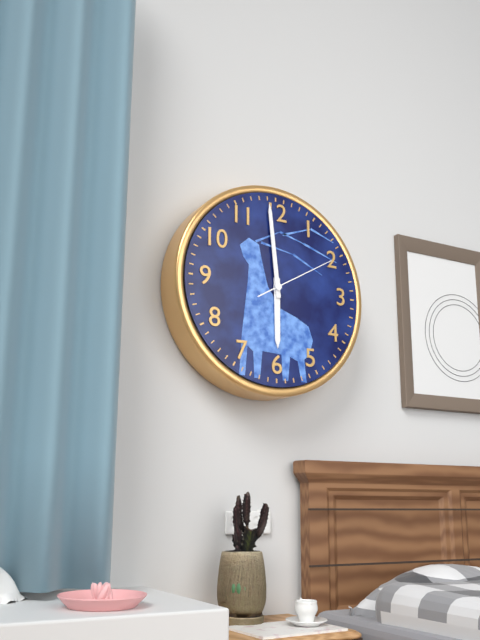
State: 5 h 59 min 10 s
